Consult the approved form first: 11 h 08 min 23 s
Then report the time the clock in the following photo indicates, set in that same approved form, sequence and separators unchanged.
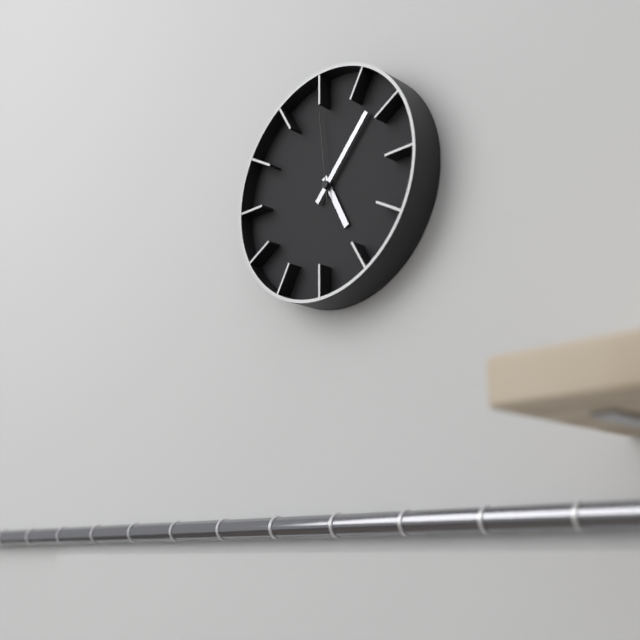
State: 5 h 07 min 59 s
